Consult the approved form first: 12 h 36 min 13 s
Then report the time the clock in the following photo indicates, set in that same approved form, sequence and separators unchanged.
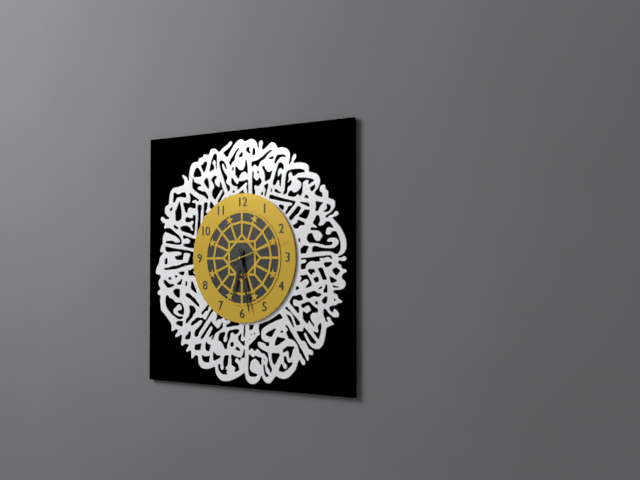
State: 6 h 28 min 12 s
